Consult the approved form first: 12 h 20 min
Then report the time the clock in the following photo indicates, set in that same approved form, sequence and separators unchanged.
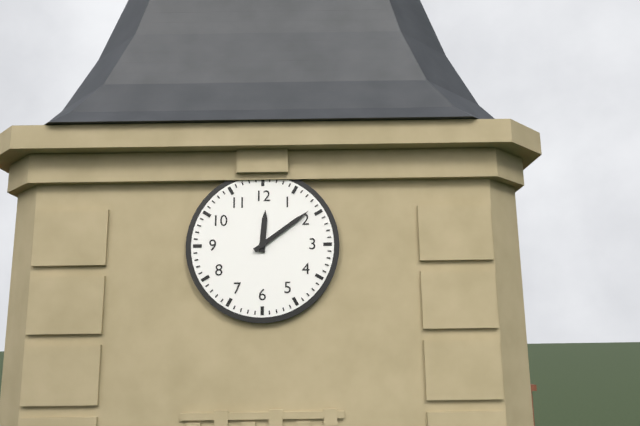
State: 12 h 09 min
